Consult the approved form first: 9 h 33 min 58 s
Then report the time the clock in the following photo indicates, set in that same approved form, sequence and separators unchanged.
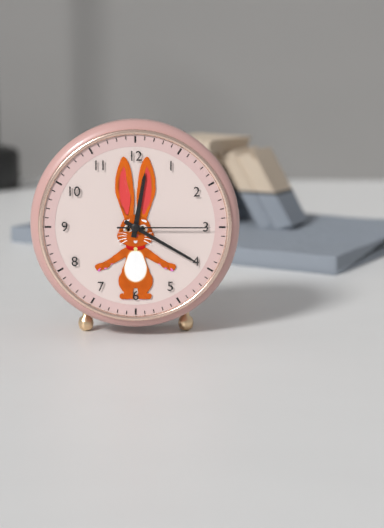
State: 12 h 20 min 15 s
